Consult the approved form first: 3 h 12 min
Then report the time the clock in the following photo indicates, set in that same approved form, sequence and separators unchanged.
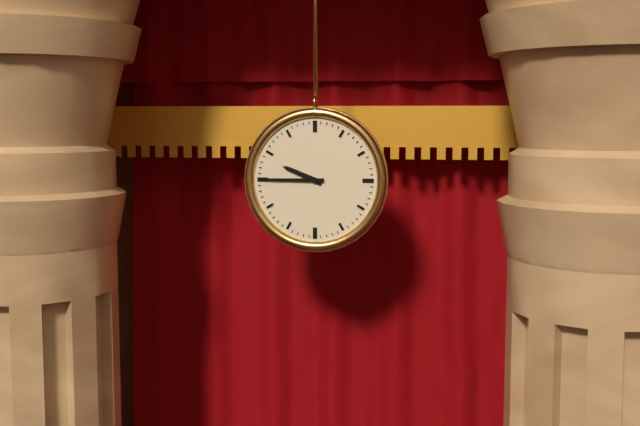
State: 9 h 45 min
